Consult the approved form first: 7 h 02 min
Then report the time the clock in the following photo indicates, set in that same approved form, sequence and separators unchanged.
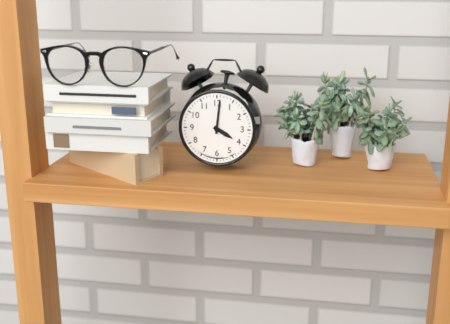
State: 4 h 01 min
